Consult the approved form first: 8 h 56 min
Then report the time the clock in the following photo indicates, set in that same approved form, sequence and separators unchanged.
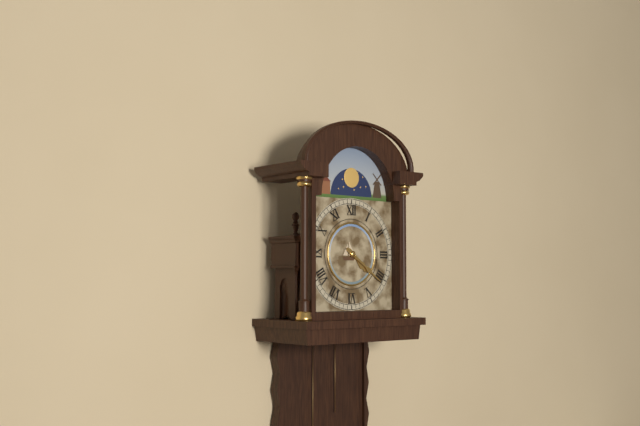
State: 4 h 21 min
